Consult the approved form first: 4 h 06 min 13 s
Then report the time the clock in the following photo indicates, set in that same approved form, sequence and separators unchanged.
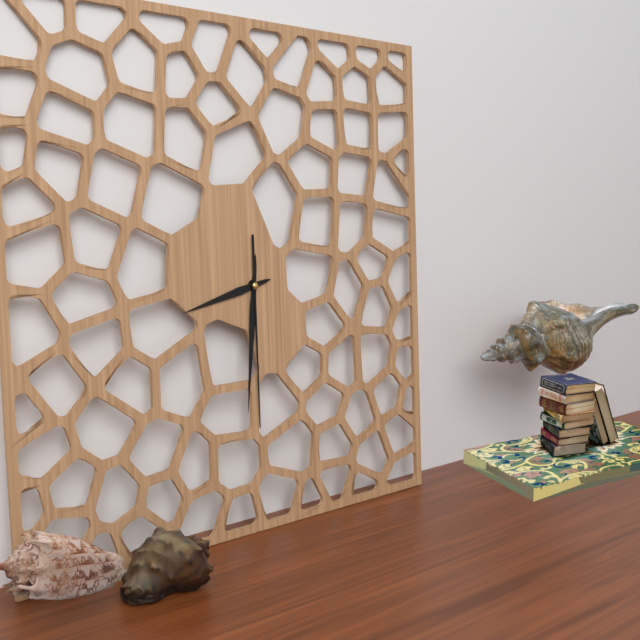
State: 8 h 31 min 30 s
